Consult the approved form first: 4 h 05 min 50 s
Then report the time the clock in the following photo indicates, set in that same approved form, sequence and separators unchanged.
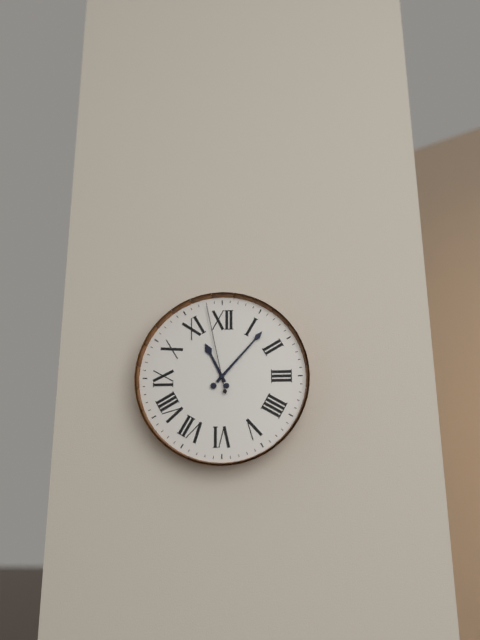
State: 11 h 07 min 58 s
